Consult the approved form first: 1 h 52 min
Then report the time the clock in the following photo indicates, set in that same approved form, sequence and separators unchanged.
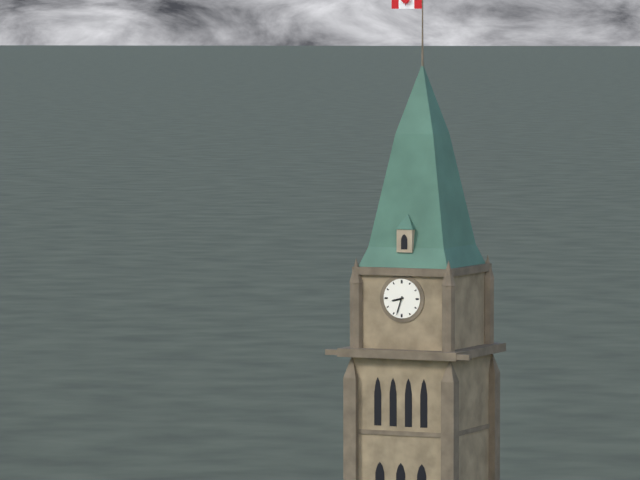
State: 8 h 33 min
